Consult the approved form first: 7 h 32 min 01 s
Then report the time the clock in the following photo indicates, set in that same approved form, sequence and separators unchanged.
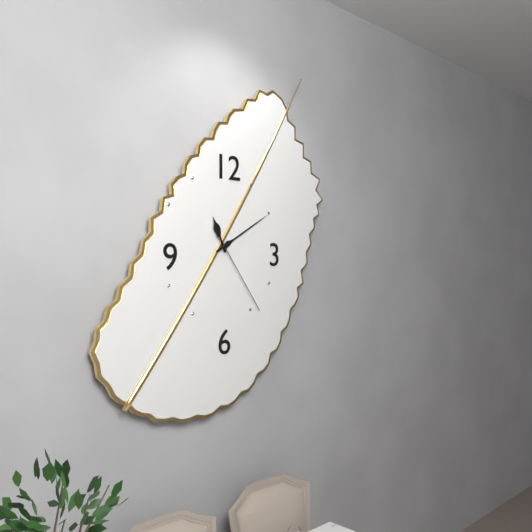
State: 11 h 10 min 24 s
